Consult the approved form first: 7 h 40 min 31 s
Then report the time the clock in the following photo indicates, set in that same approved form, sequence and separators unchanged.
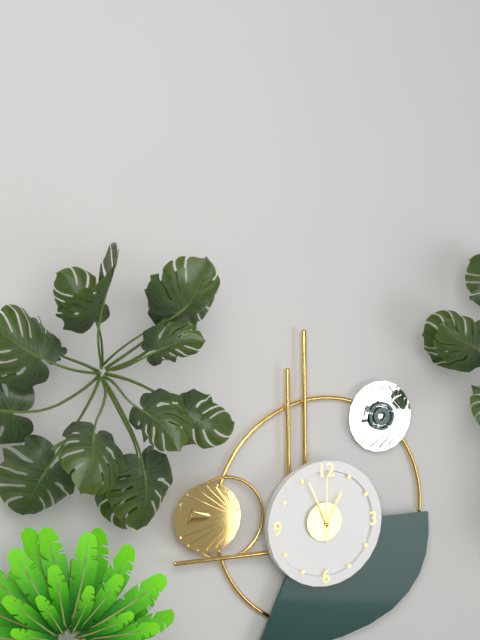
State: 12 h 56 min 00 s
